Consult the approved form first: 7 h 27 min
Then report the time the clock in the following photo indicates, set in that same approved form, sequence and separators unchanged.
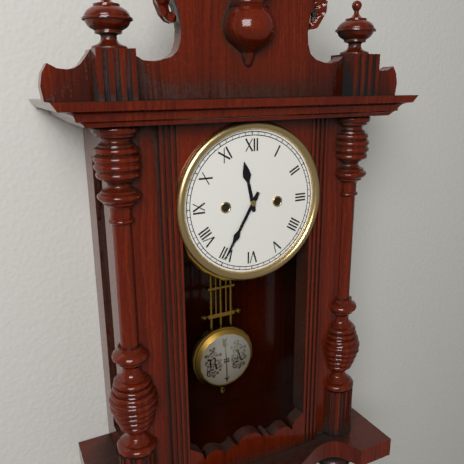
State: 11 h 35 min
